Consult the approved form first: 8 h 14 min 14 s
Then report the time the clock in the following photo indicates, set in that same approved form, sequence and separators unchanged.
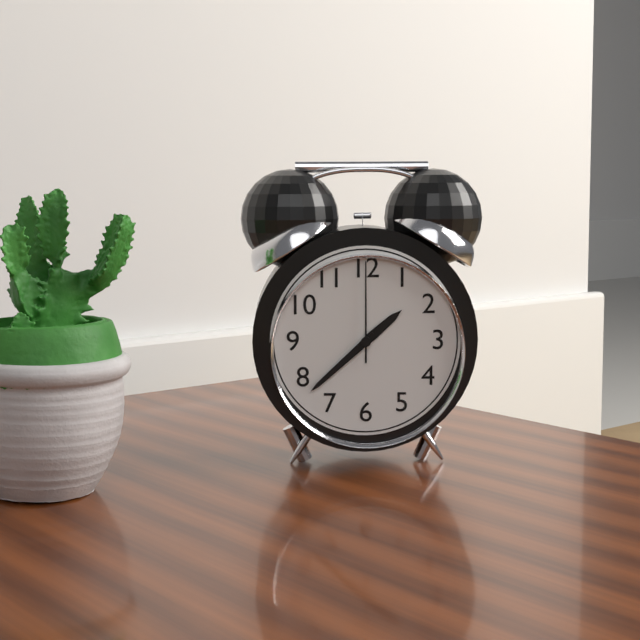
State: 1 h 38 min 00 s
